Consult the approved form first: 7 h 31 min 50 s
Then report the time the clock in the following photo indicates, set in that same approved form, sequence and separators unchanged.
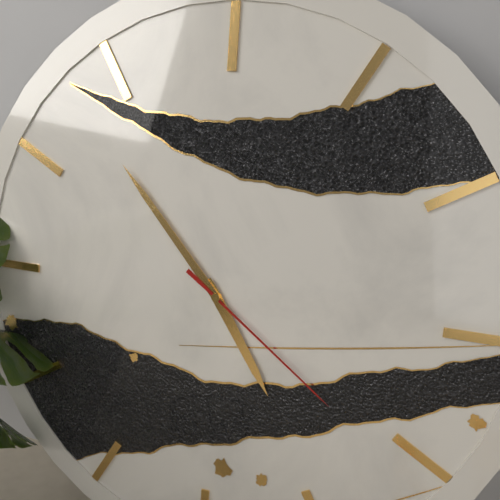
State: 4 h 53 min 21 s
